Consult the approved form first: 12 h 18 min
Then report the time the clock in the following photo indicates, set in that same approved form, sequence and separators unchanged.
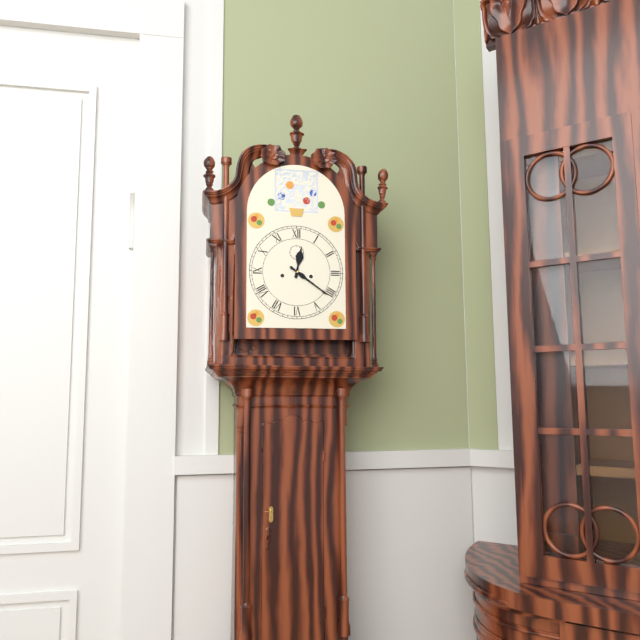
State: 12 h 21 min
